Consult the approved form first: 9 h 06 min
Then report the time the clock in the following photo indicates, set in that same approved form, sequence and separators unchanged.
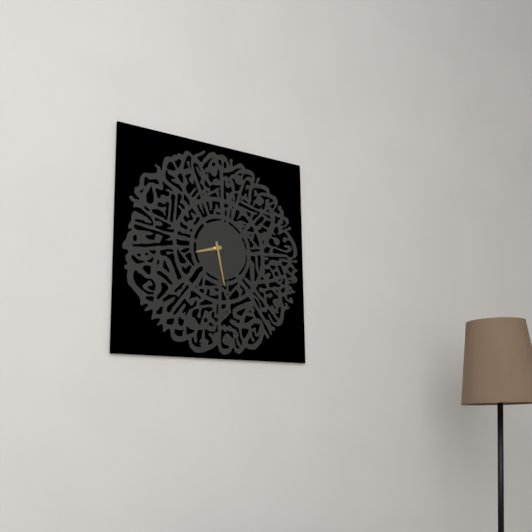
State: 8 h 28 min
